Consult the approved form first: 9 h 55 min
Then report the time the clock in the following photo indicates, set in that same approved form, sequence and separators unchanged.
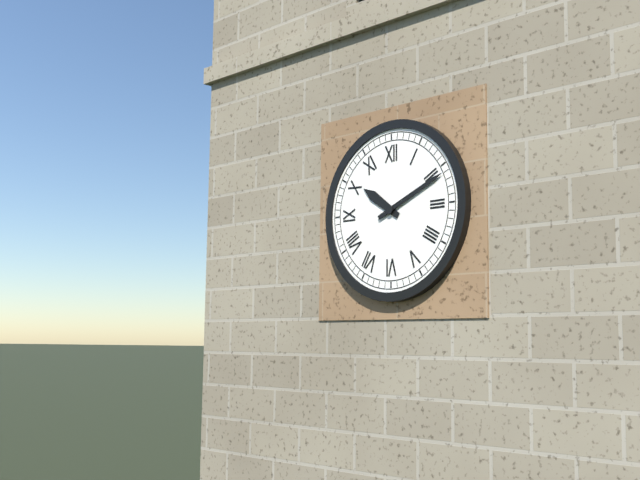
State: 10 h 11 min
